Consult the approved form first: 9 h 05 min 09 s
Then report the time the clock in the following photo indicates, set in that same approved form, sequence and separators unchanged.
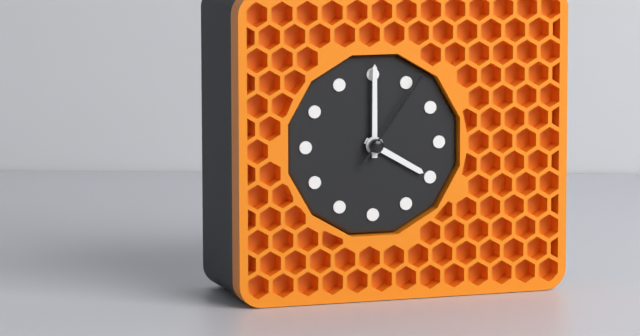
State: 4 h 00 min 06 s
